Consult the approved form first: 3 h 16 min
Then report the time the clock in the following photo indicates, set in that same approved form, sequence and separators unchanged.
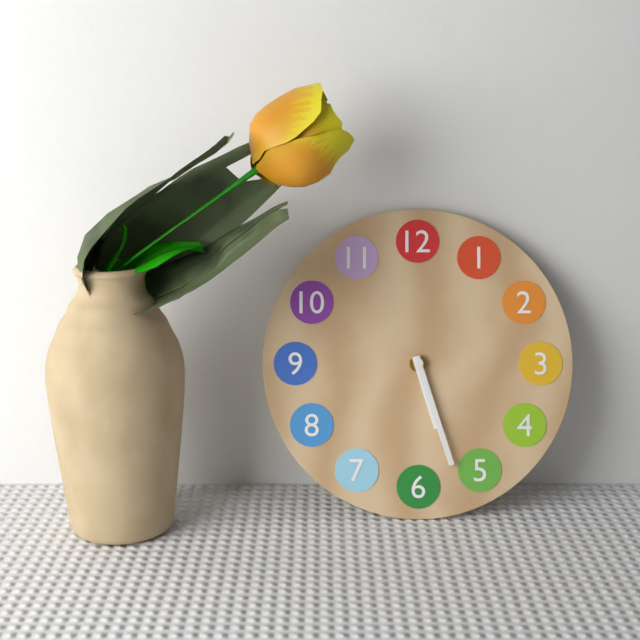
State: 5 h 27 min
